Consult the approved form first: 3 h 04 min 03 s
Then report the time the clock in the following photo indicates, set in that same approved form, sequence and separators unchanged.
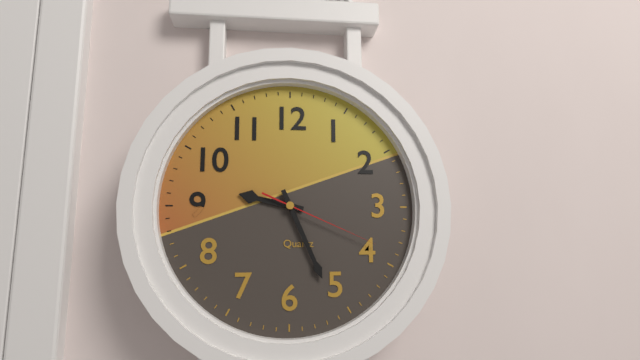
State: 9 h 26 min 19 s
